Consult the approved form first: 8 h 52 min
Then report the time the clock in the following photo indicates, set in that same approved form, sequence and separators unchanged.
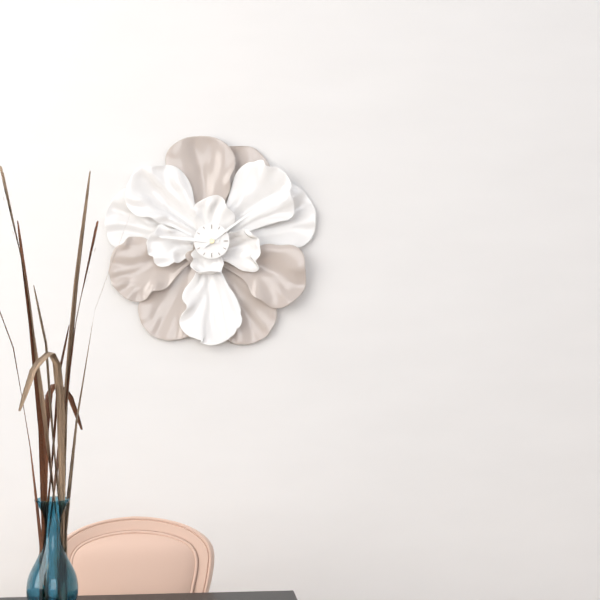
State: 9 h 09 min
